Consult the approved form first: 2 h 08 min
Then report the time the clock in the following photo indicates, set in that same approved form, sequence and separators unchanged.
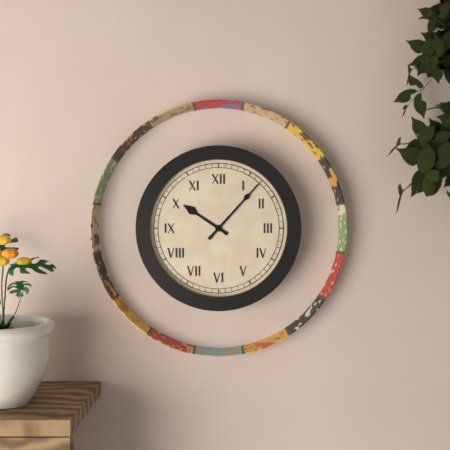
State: 10 h 07 min
